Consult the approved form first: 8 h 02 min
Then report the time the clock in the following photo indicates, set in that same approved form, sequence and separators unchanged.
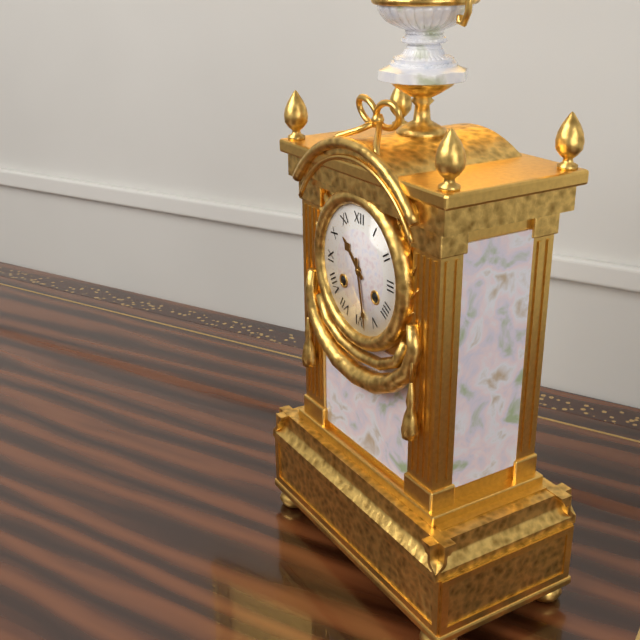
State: 10 h 28 min
